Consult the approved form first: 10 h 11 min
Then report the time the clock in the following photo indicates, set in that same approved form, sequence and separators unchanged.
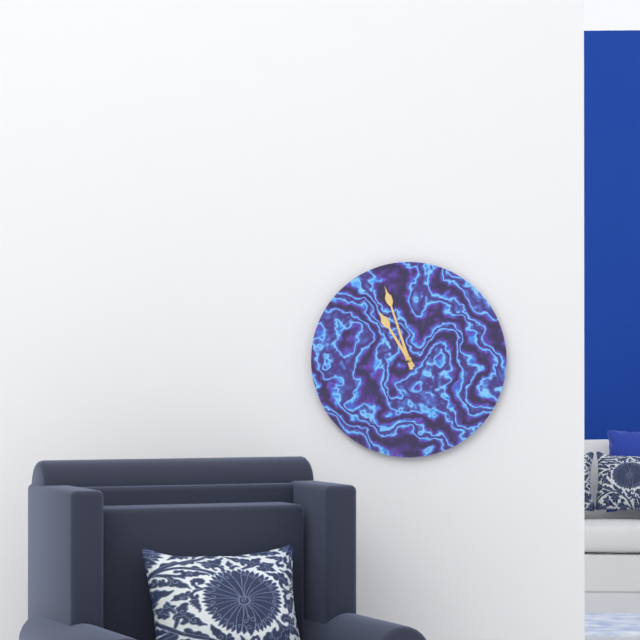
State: 10 h 57 min
